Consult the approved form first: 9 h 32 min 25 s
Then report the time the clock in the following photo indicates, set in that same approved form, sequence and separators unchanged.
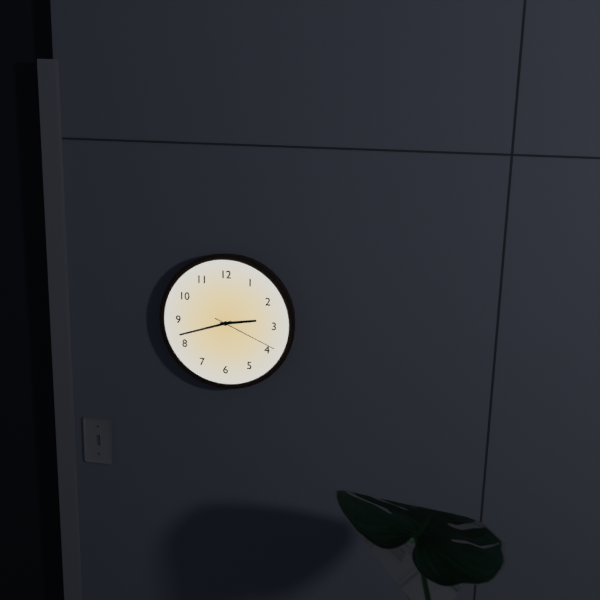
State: 2 h 42 min 19 s
